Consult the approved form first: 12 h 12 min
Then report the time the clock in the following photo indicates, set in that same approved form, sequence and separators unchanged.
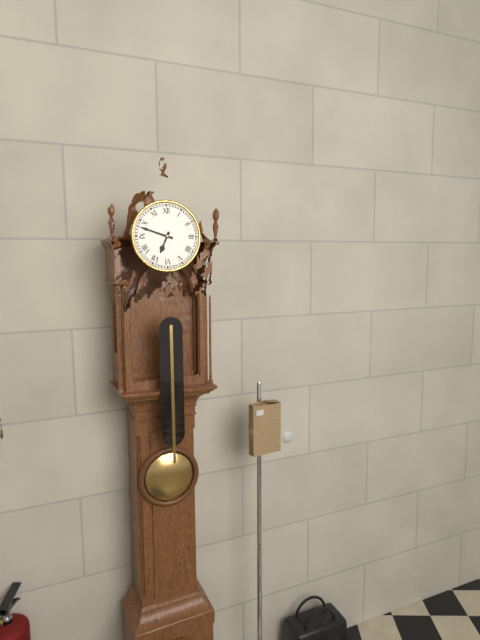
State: 6 h 48 min
